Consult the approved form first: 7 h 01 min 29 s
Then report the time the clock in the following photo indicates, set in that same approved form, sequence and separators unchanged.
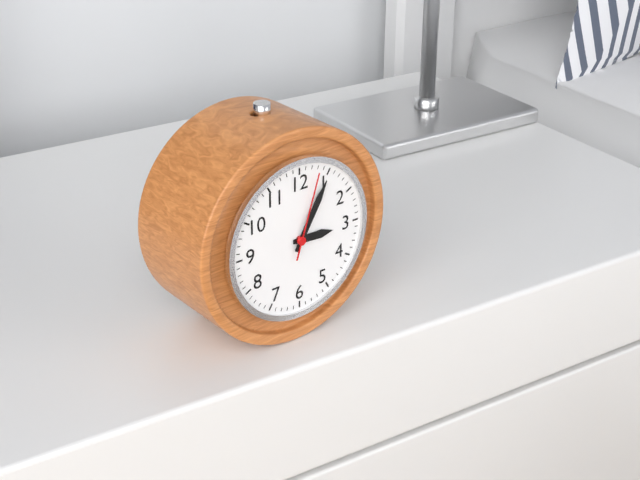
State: 3 h 05 min 03 s
